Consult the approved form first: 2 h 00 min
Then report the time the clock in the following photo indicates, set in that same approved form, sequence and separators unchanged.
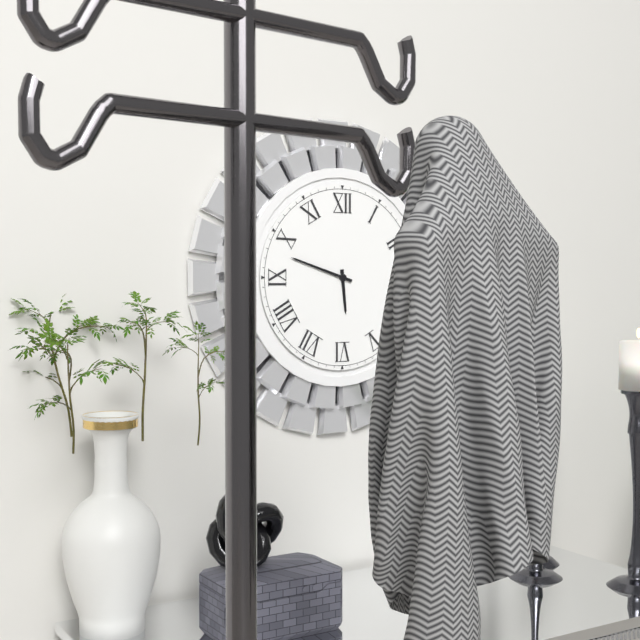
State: 5 h 48 min
